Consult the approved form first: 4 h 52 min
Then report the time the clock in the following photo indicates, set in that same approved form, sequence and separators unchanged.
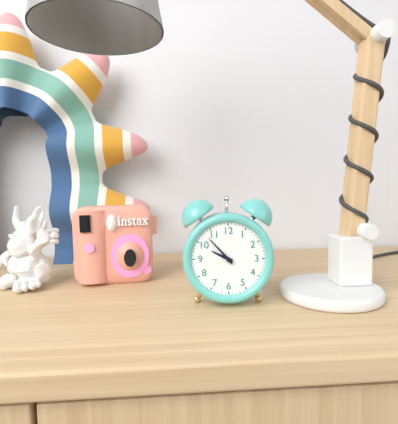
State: 9 h 53 min
